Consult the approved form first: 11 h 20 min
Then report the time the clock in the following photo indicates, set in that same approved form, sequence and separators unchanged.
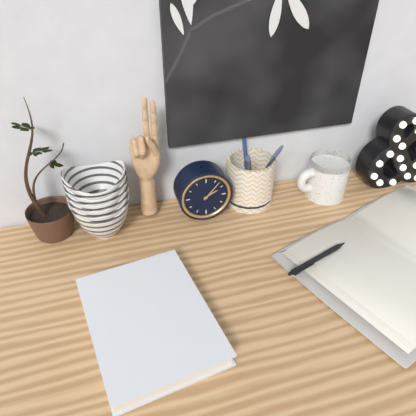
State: 2 h 07 min
